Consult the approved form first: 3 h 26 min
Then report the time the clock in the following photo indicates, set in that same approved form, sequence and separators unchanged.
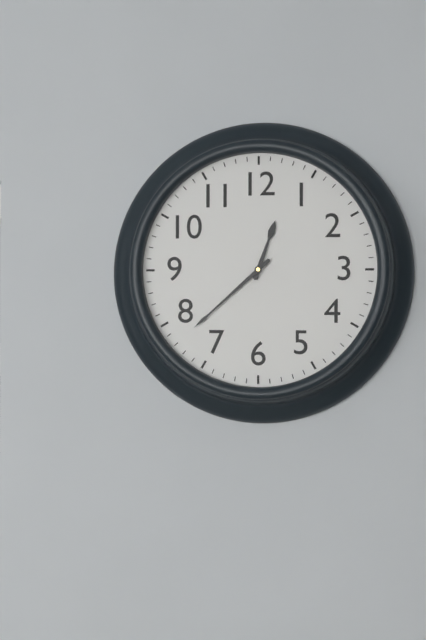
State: 12 h 38 min
